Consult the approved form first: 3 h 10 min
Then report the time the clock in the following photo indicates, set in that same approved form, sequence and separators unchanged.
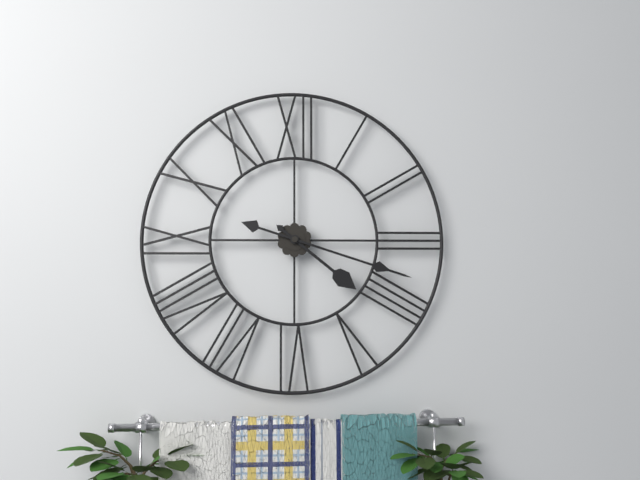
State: 4 h 18 min
